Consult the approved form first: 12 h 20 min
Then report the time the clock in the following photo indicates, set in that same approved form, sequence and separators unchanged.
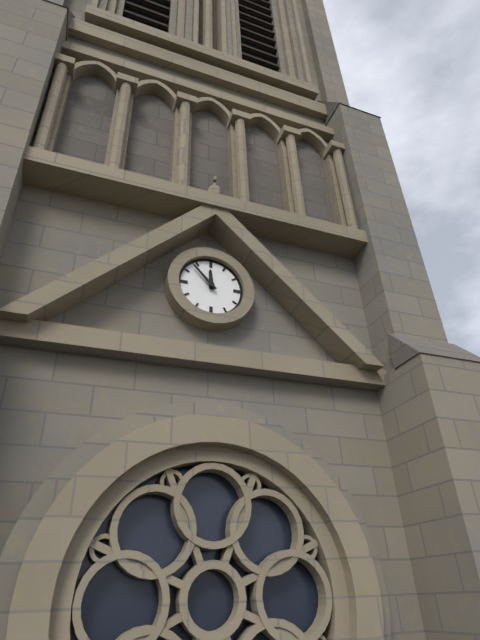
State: 11 h 53 min
